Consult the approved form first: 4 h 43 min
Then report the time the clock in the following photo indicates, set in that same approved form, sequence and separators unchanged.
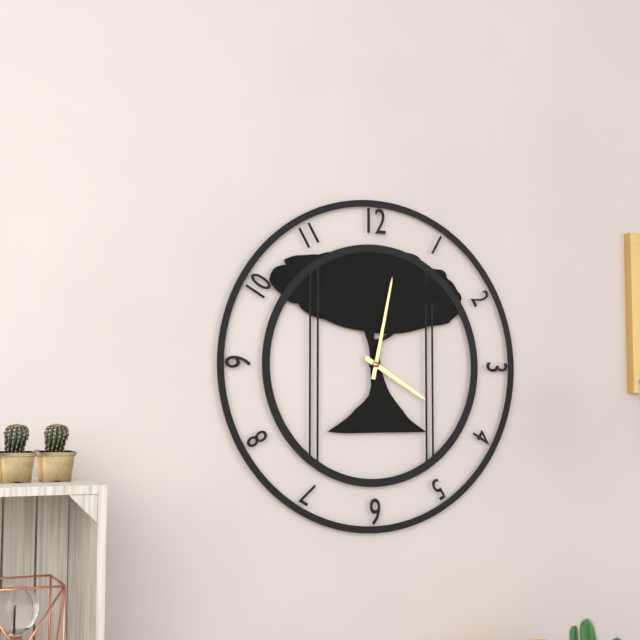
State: 4 h 02 min
